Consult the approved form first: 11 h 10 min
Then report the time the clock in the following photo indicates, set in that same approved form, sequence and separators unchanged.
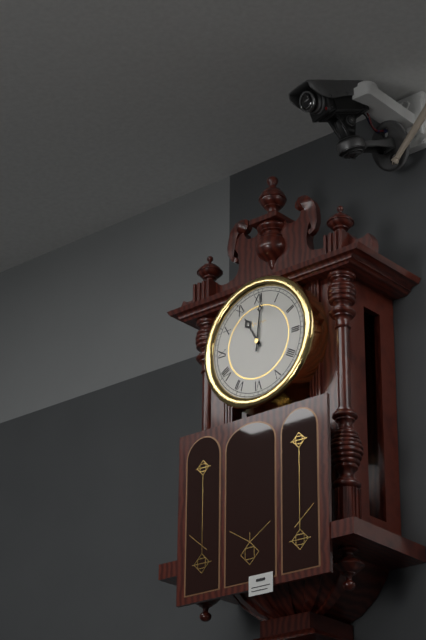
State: 11 h 01 min
